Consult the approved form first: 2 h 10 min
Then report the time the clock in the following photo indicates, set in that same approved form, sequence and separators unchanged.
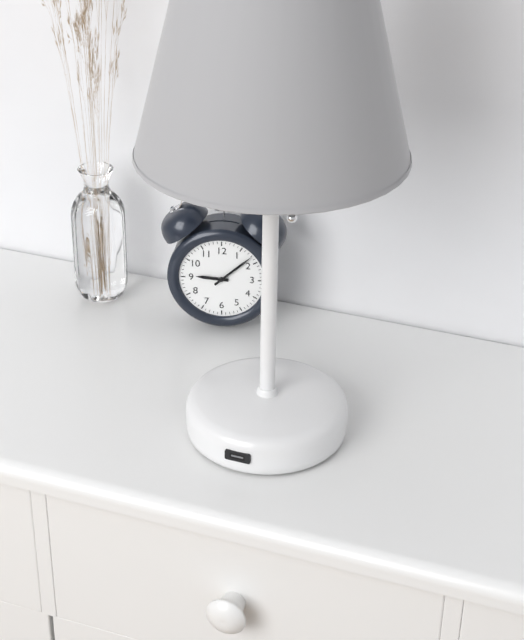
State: 9 h 08 min
